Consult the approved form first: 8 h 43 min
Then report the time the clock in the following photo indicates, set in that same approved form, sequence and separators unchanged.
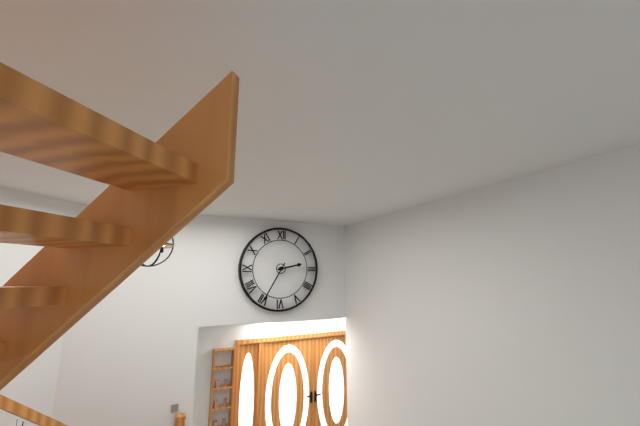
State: 2 h 35 min
